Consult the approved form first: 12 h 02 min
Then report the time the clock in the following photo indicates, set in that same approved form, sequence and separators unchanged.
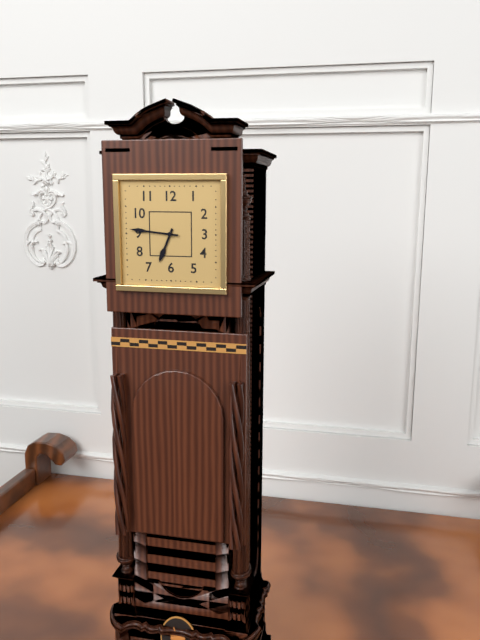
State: 6 h 46 min
